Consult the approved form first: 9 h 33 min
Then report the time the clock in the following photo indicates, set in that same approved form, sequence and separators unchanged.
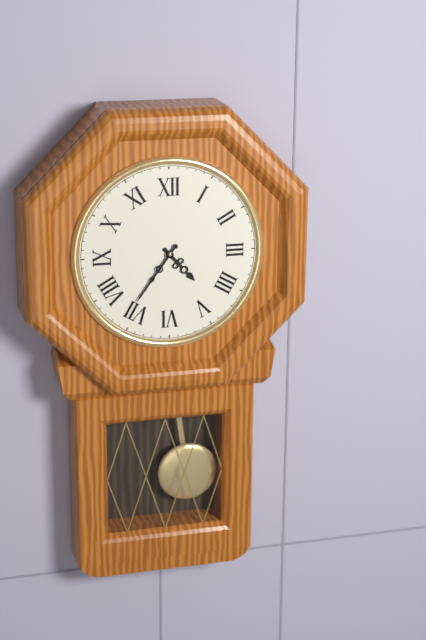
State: 4 h 36 min
